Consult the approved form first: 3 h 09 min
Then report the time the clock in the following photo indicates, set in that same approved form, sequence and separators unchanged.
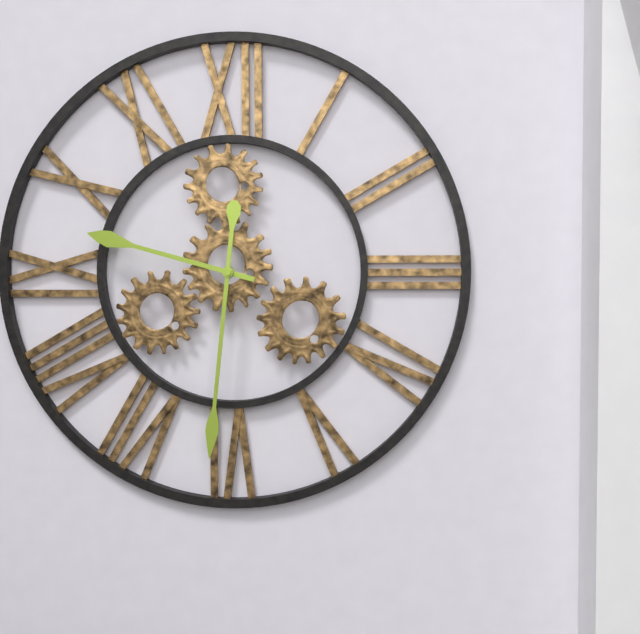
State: 9 h 31 min
